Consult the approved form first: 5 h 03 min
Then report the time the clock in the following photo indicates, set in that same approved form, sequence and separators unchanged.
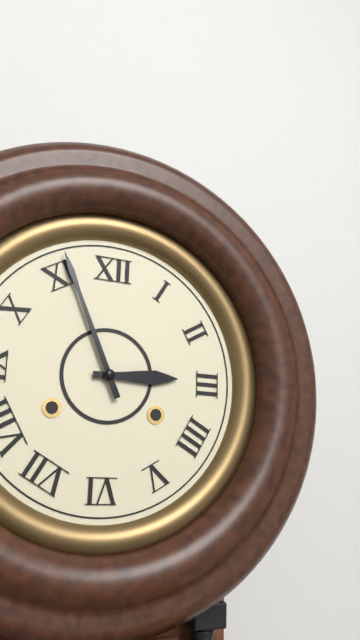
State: 2 h 56 min
